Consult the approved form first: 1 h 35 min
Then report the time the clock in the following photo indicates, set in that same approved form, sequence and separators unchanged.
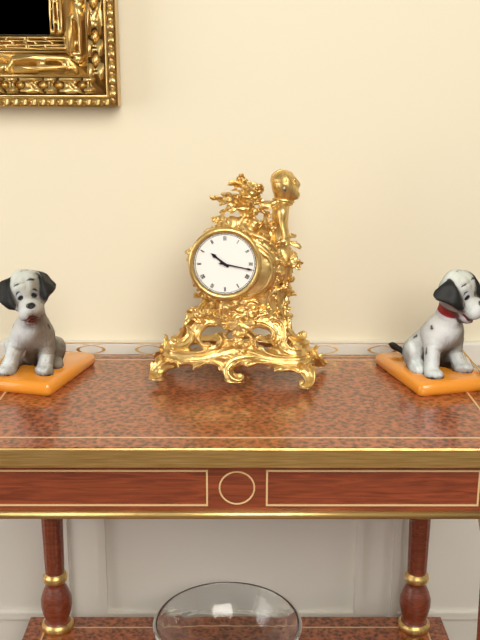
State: 10 h 17 min
